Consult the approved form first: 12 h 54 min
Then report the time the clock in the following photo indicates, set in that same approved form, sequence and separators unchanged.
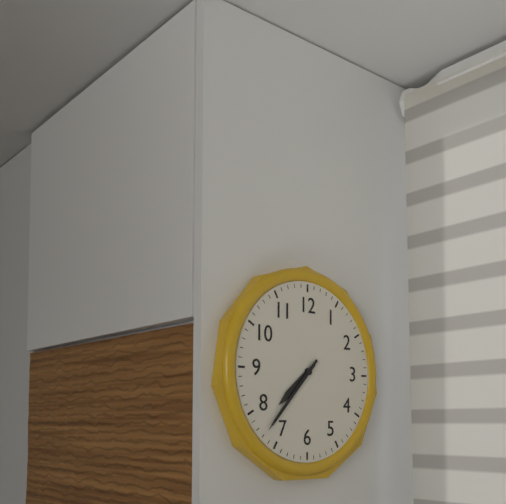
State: 7 h 37 min
